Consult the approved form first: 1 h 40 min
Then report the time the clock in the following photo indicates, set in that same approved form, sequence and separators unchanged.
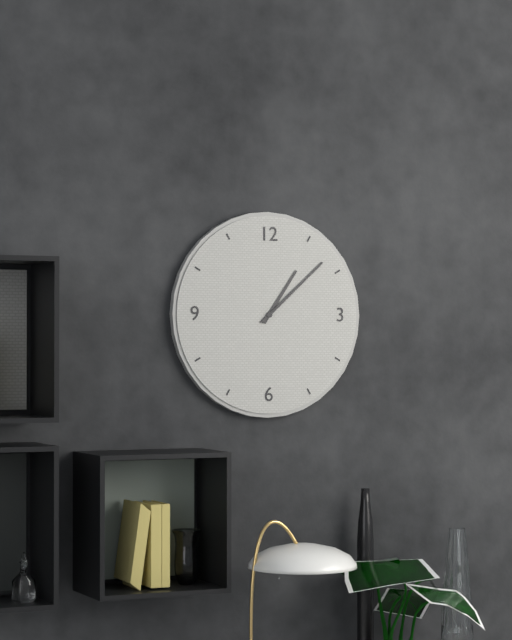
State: 1 h 08 min
